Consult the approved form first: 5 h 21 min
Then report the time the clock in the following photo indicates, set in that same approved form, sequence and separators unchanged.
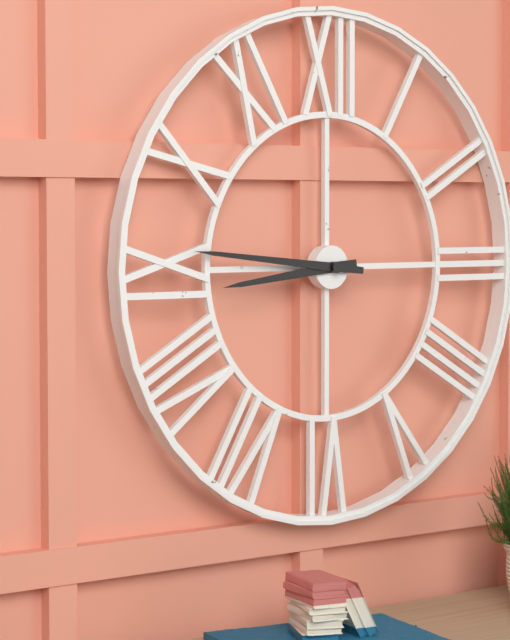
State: 8 h 46 min
